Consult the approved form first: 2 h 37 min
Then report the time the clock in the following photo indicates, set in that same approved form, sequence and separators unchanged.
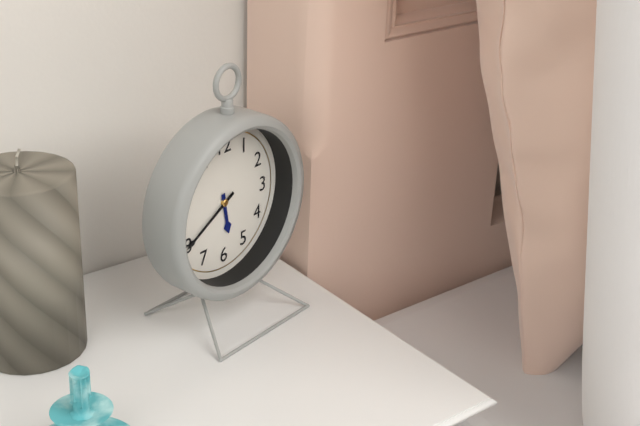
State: 5 h 40 min
